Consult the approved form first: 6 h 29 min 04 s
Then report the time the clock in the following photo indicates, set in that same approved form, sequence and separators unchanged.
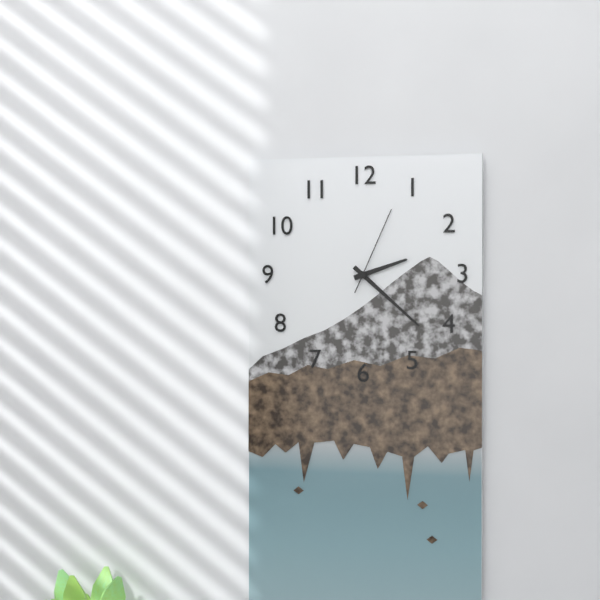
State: 2 h 22 min 04 s
